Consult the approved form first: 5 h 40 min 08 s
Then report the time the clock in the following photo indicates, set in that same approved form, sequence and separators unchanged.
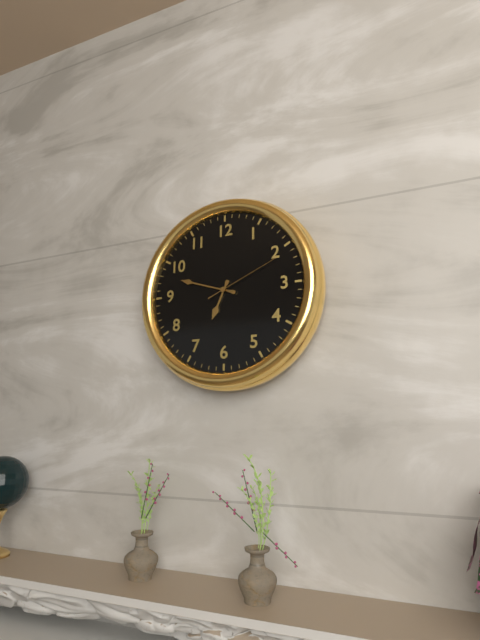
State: 6 h 48 min 11 s
